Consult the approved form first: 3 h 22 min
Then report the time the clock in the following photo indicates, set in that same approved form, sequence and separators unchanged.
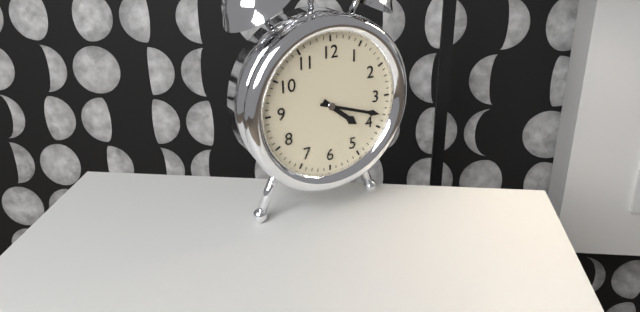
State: 4 h 18 min
